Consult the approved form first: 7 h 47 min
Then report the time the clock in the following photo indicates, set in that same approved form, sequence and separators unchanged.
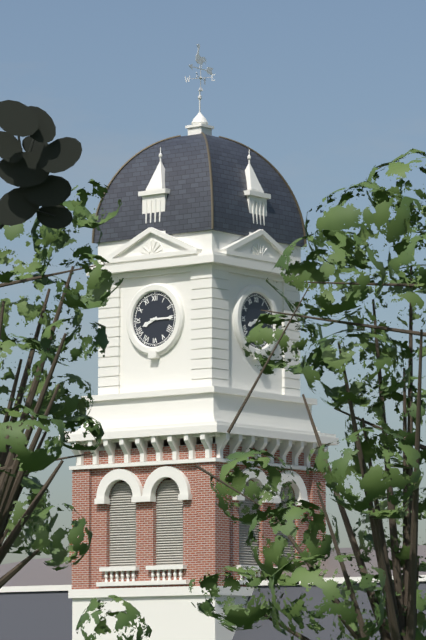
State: 8 h 15 min
